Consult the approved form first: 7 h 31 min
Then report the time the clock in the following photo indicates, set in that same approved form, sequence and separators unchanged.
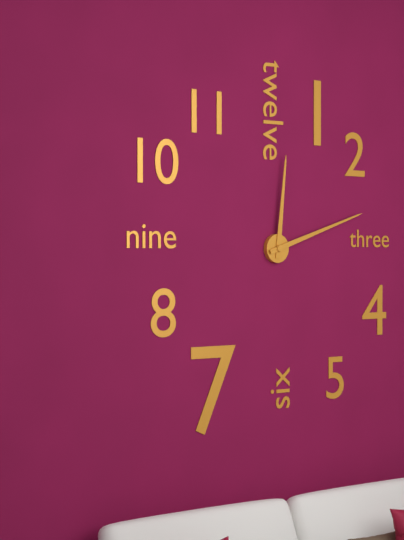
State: 12 h 12 min
